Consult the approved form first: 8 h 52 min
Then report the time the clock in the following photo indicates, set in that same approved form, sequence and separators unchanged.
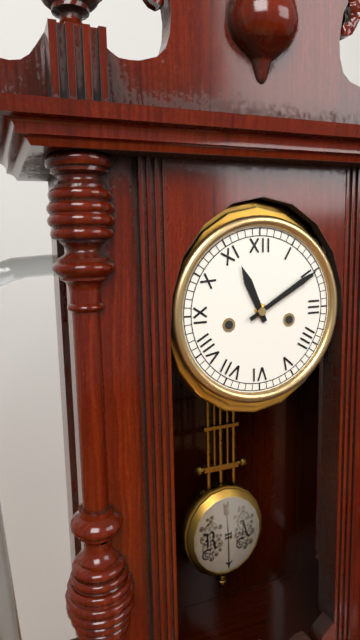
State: 11 h 10 min
